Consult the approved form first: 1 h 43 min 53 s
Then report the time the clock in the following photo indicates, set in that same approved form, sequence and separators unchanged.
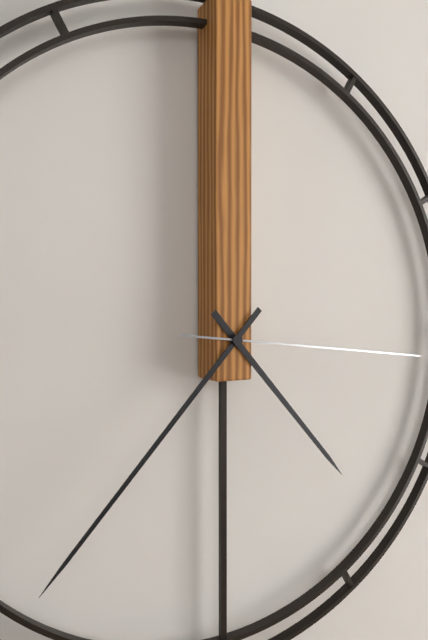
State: 4 h 37 min 16 s
